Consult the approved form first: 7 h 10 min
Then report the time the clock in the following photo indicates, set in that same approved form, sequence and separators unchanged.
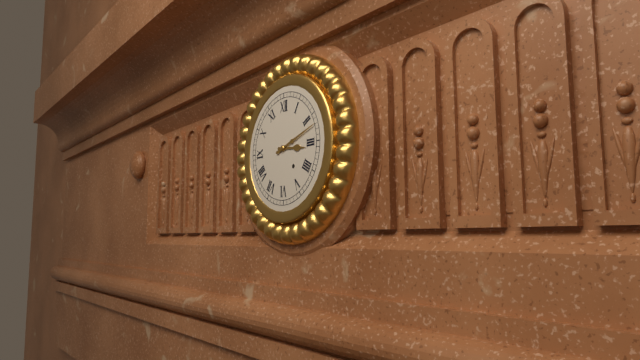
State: 3 h 12 min
